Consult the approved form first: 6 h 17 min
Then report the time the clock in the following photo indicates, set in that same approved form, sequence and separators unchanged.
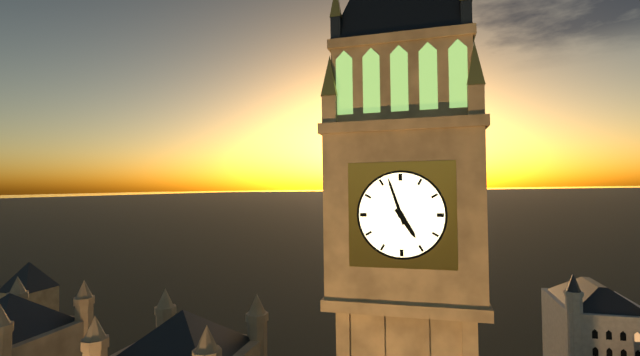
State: 4 h 57 min
